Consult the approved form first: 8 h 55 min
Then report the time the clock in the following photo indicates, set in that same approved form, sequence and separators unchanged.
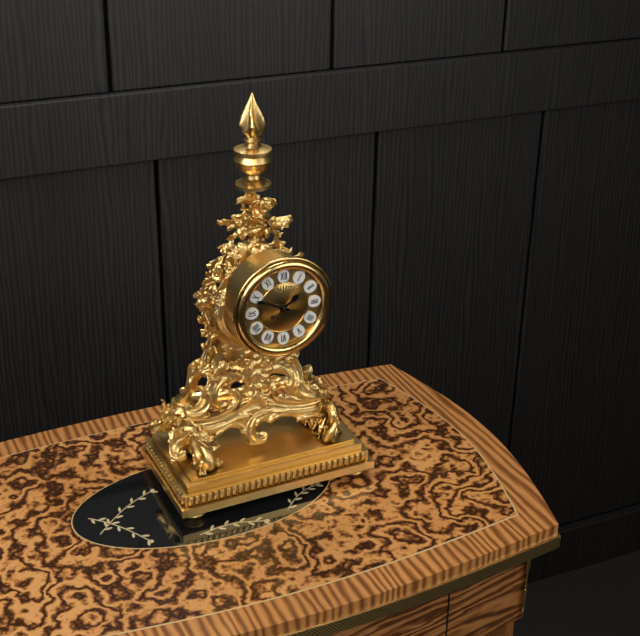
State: 1 h 49 min
